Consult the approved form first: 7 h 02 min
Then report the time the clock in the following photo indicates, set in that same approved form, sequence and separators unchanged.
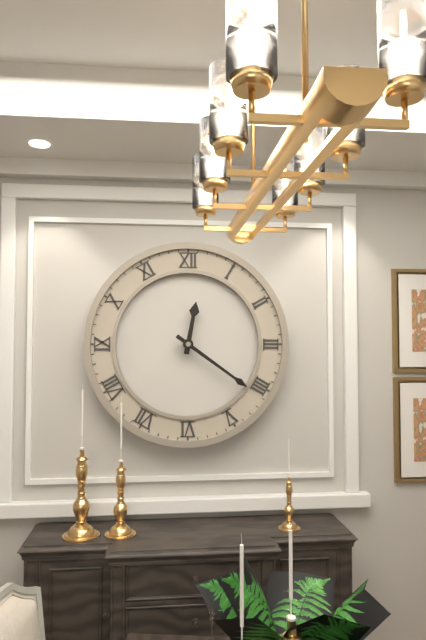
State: 12 h 21 min
